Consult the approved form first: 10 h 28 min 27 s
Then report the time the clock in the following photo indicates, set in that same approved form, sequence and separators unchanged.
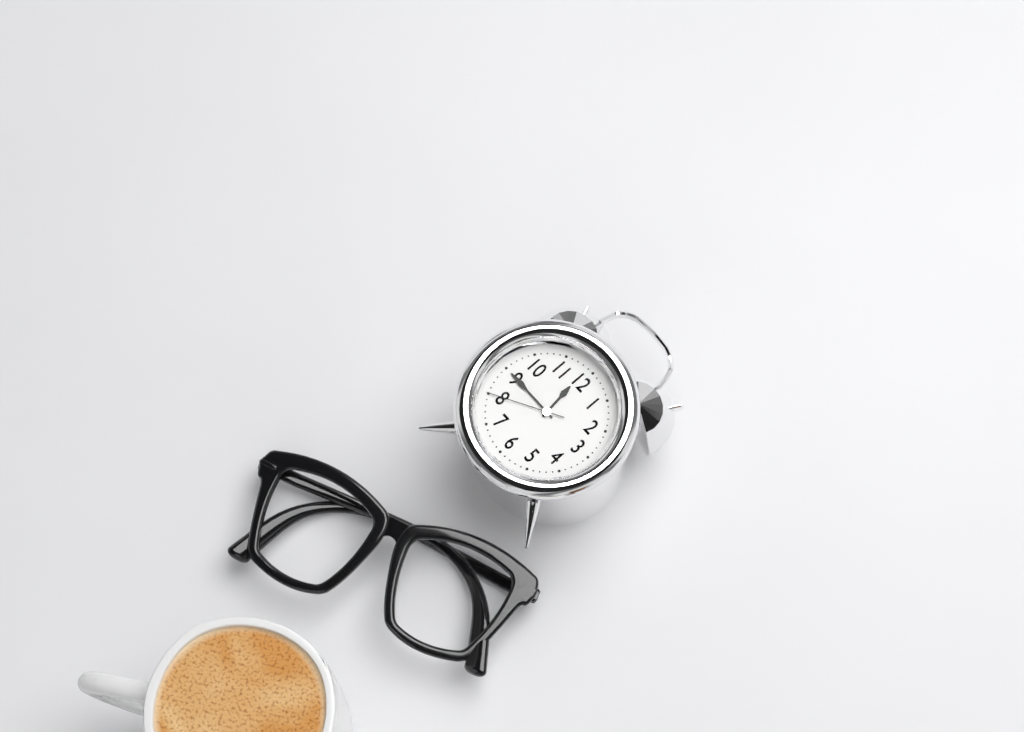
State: 11 h 45 min 40 s
